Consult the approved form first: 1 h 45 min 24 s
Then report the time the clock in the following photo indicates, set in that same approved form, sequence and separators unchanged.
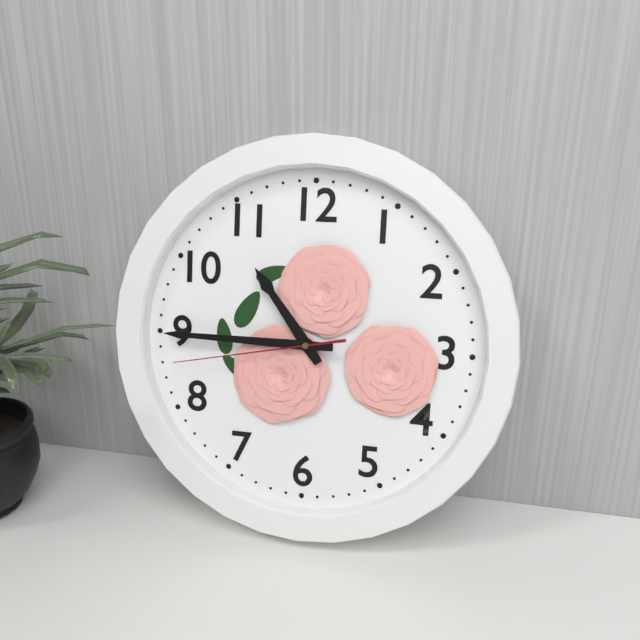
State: 10 h 45 min 43 s
